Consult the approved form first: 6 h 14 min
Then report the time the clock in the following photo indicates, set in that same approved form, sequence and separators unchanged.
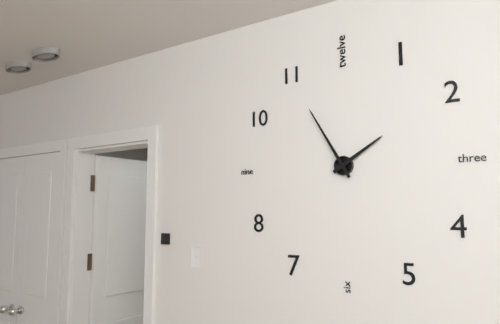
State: 1 h 55 min
